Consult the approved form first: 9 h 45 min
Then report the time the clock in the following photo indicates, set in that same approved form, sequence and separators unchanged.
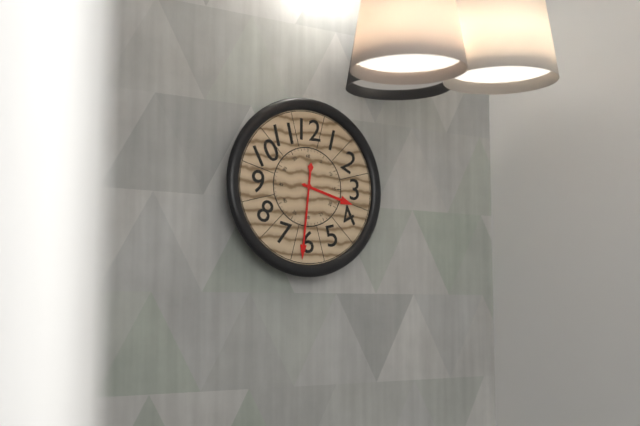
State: 3 h 31 min
